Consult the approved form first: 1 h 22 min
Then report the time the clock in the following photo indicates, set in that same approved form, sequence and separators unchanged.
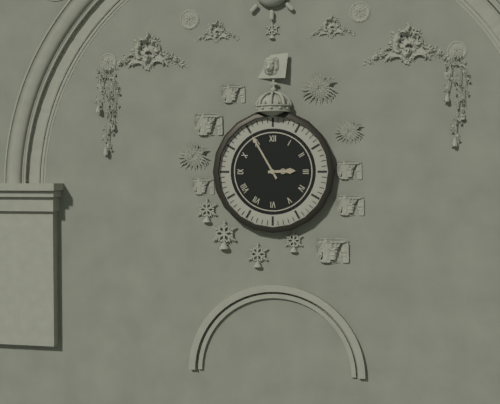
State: 2 h 55 min
